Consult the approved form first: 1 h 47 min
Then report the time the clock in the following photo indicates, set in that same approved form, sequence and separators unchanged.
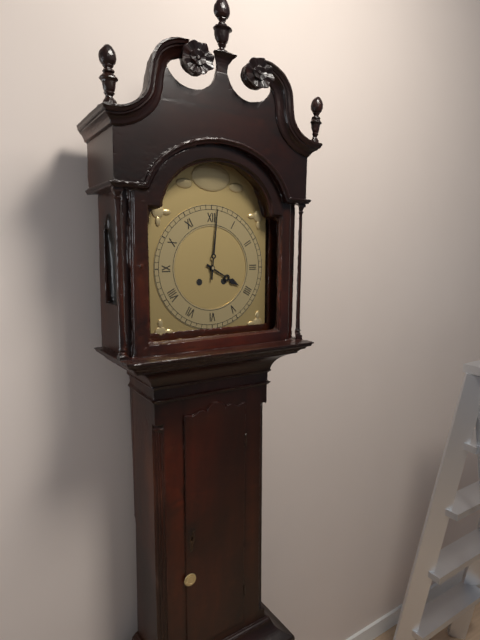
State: 4 h 01 min
